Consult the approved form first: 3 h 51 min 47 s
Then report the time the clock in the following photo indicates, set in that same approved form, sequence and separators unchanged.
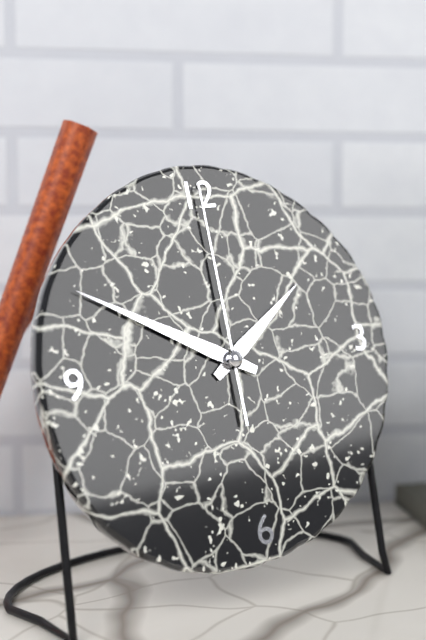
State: 1 h 50 min 00 s
